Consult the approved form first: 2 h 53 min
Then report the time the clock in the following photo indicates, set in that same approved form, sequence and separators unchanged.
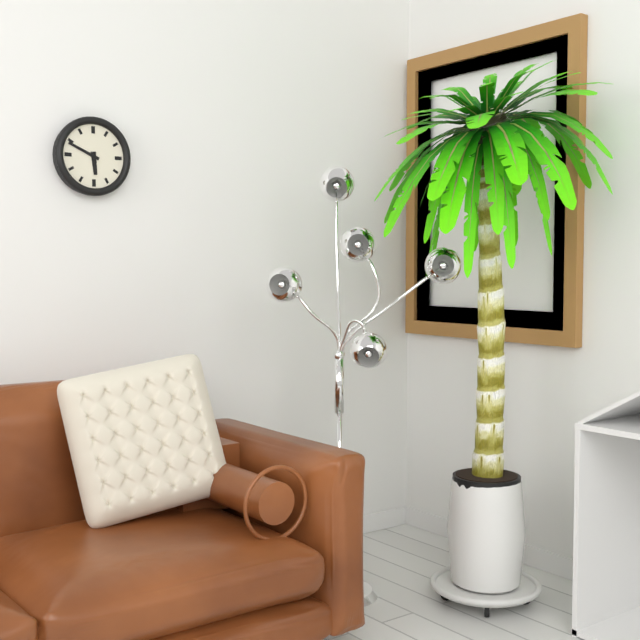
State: 5 h 49 min
